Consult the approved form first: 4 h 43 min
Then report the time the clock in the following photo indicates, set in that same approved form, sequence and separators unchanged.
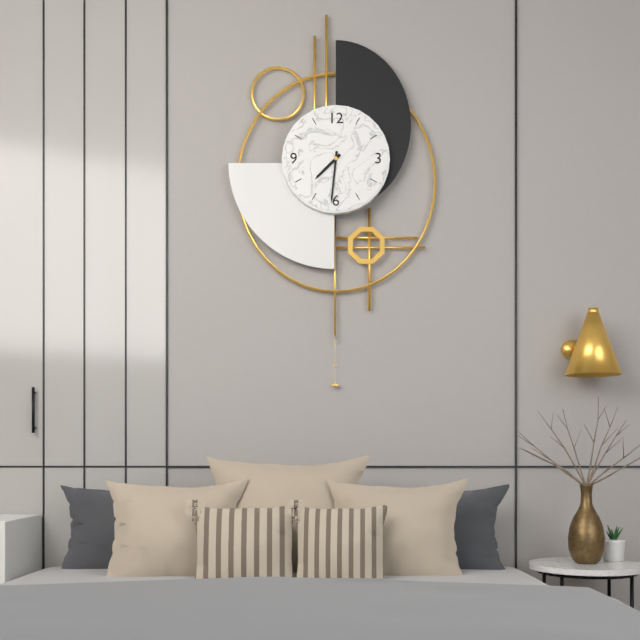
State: 7 h 31 min
